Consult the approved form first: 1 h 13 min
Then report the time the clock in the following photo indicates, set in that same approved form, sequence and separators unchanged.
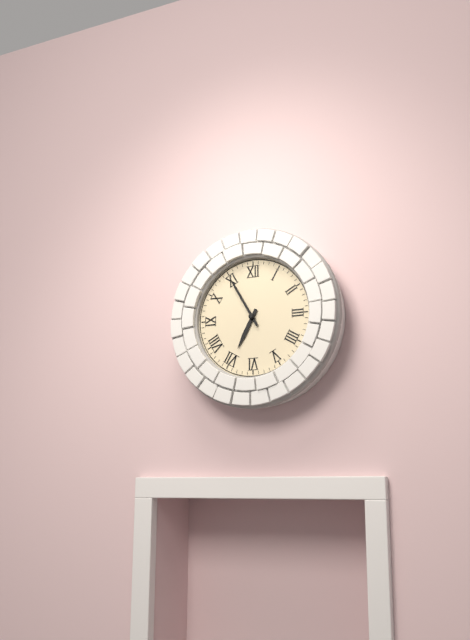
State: 6 h 55 min
